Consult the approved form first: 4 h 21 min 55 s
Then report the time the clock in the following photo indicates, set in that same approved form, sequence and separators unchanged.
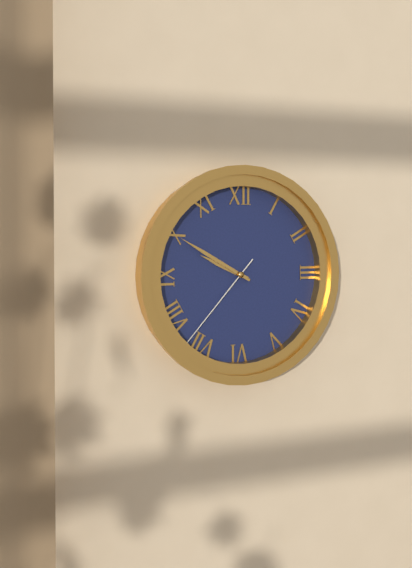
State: 9 h 50 min 37 s
